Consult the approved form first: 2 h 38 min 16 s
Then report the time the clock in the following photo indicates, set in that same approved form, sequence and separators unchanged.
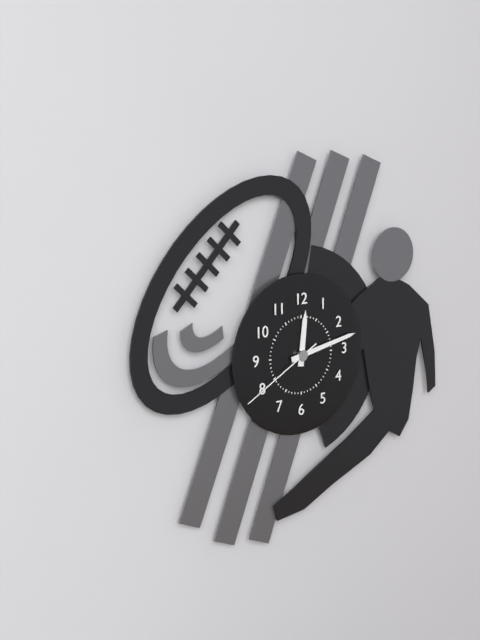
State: 12 h 13 min 40 s
